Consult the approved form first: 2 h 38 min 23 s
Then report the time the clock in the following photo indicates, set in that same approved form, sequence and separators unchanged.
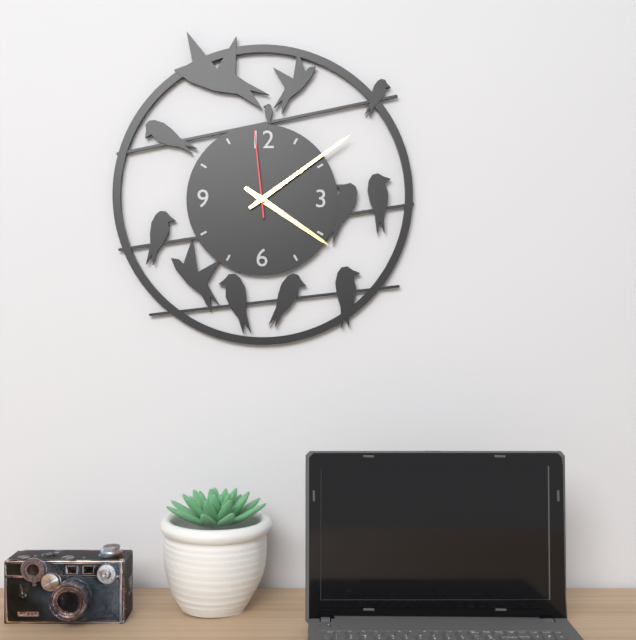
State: 4 h 09 min 59 s
